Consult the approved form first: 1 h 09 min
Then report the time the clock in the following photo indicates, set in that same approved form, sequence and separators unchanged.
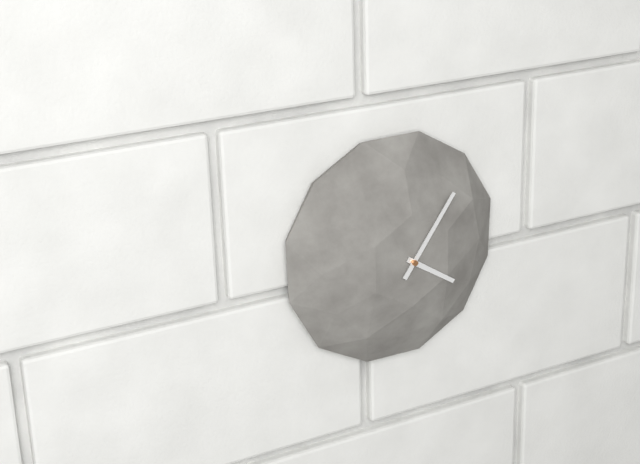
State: 4 h 06 min
